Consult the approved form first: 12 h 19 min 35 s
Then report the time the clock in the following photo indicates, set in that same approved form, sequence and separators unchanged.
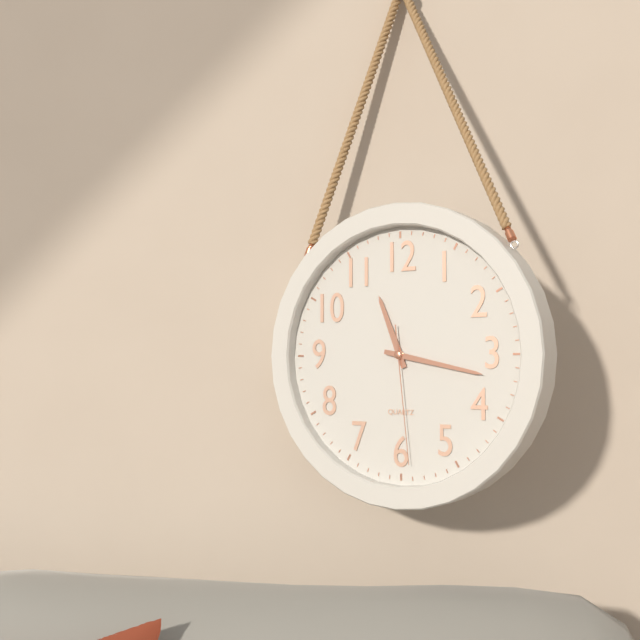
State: 11 h 17 min 29 s
